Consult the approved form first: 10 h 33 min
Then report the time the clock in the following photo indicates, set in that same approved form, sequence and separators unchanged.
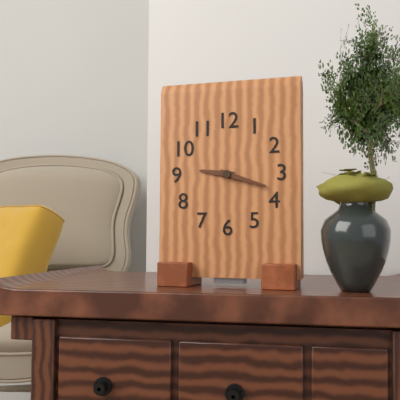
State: 9 h 18 min
